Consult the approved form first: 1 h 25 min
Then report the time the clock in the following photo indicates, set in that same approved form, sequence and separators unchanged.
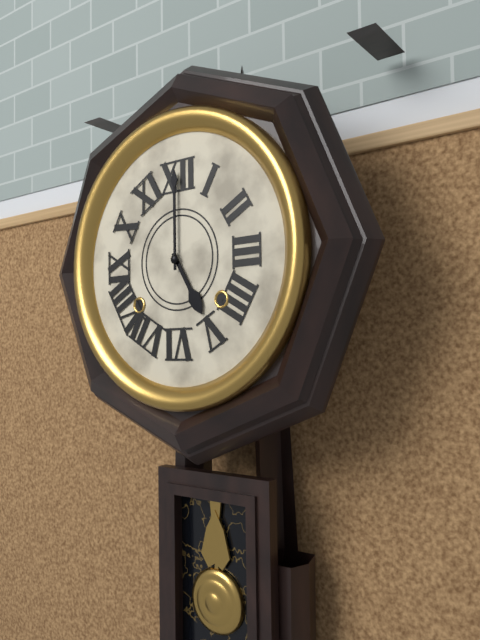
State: 5 h 00 min
